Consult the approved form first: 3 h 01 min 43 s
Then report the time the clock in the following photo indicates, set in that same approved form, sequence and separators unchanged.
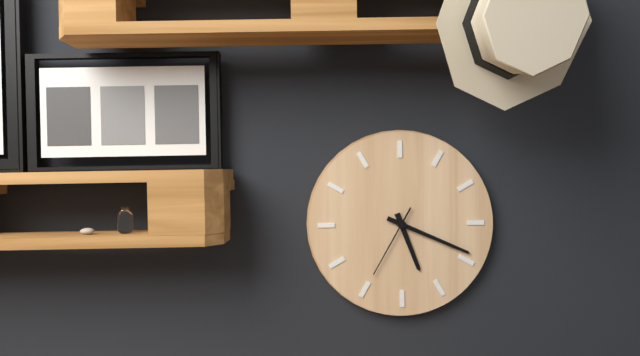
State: 5 h 19 min 35 s
